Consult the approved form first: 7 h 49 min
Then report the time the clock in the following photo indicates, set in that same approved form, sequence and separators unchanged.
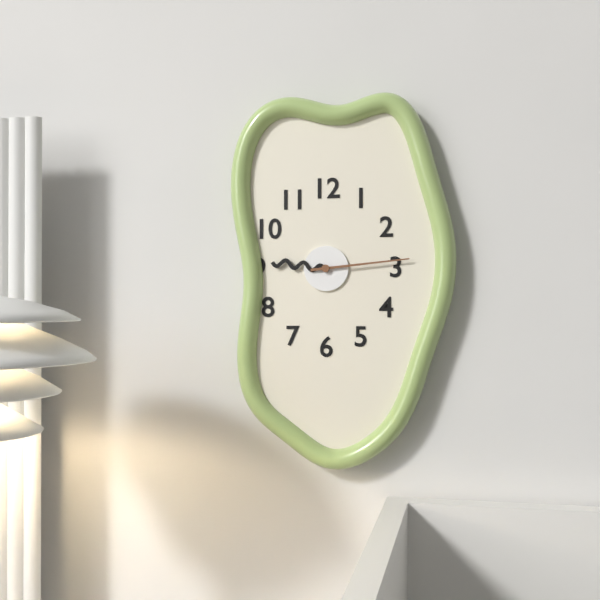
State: 9 h 14 min
